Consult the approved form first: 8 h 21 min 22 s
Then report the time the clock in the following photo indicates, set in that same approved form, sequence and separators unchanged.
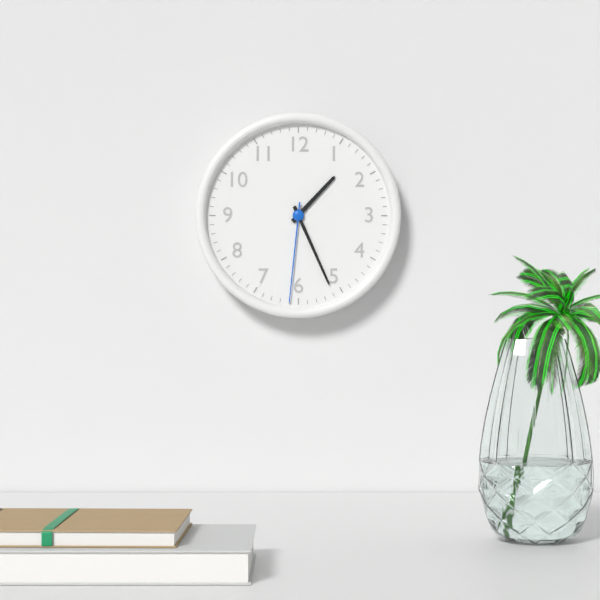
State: 1 h 26 min 31 s
